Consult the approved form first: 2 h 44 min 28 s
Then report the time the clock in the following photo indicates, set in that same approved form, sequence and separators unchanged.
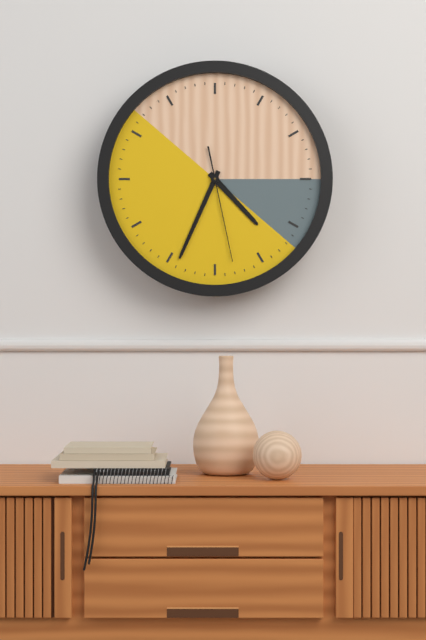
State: 4 h 34 min 28 s
